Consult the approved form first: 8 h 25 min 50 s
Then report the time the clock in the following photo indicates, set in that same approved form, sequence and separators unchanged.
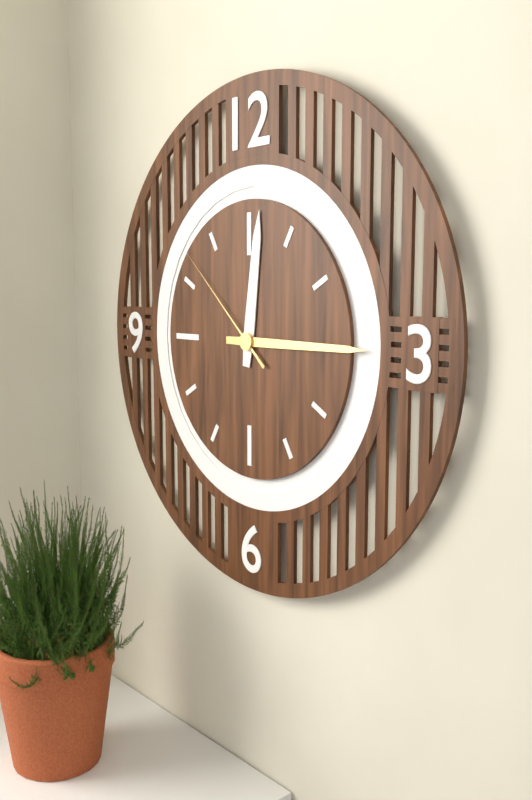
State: 12 h 15 min 52 s
